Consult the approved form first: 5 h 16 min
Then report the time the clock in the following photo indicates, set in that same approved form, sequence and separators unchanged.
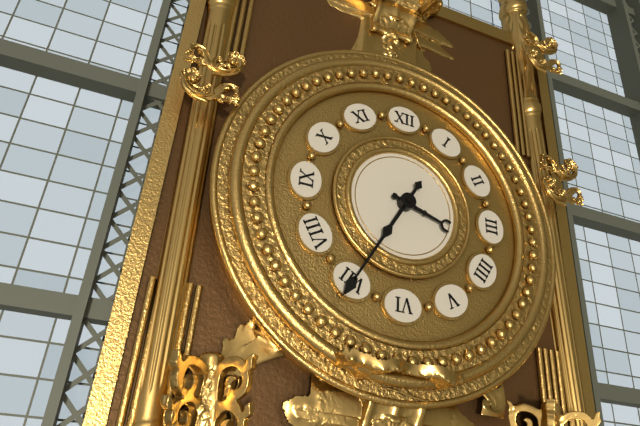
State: 3 h 35 min
